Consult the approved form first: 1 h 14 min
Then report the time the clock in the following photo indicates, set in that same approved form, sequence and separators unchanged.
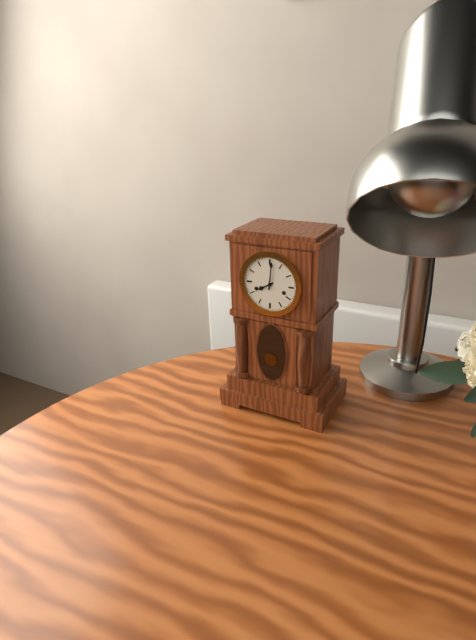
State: 8 h 01 min
